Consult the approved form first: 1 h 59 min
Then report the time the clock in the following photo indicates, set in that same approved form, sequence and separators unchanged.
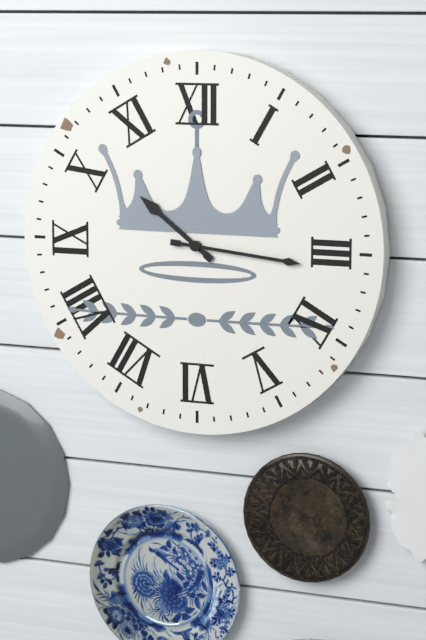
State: 10 h 16 min
